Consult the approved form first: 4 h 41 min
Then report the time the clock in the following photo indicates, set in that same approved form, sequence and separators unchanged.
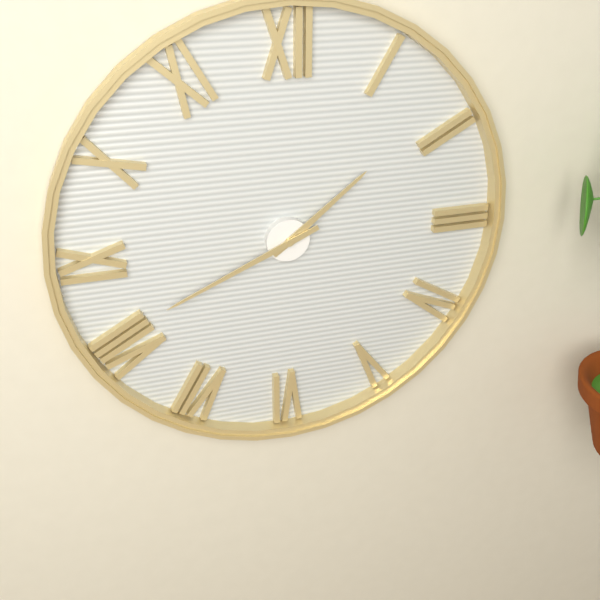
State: 1 h 41 min
